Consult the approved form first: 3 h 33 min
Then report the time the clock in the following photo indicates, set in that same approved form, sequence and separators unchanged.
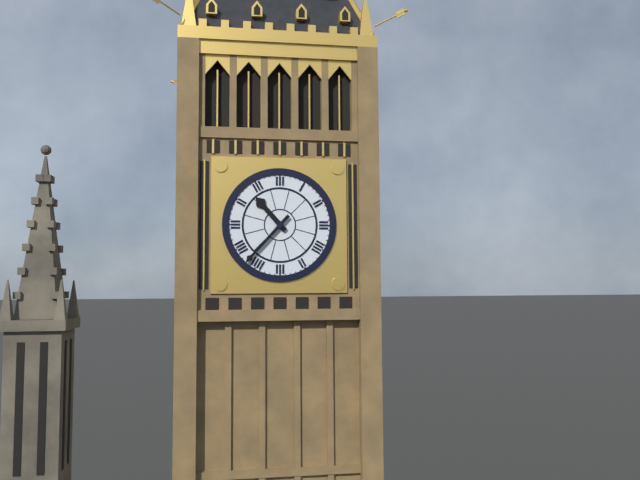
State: 10 h 37 min
